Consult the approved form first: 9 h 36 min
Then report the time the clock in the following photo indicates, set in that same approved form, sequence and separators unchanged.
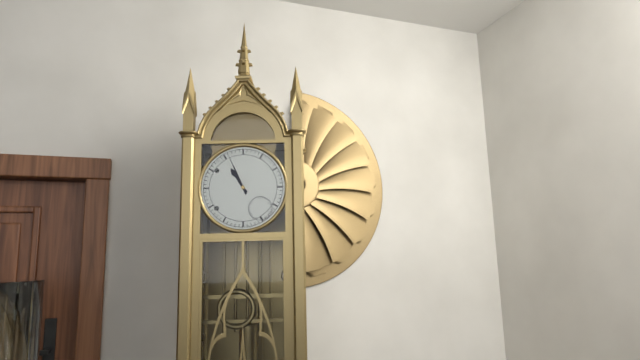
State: 10 h 56 min
